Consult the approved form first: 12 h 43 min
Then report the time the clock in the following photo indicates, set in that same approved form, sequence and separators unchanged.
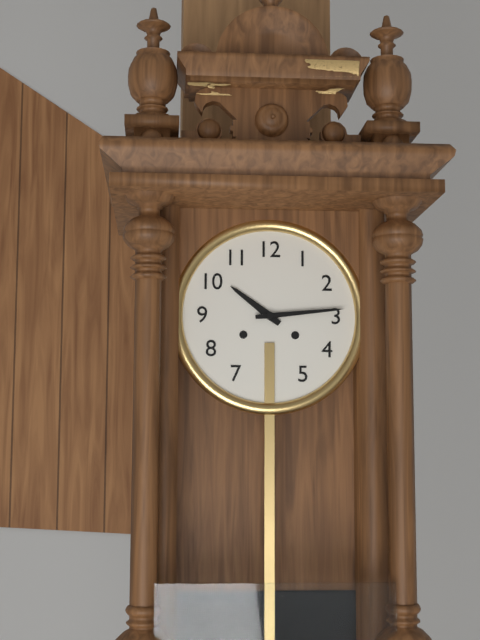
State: 10 h 14 min
